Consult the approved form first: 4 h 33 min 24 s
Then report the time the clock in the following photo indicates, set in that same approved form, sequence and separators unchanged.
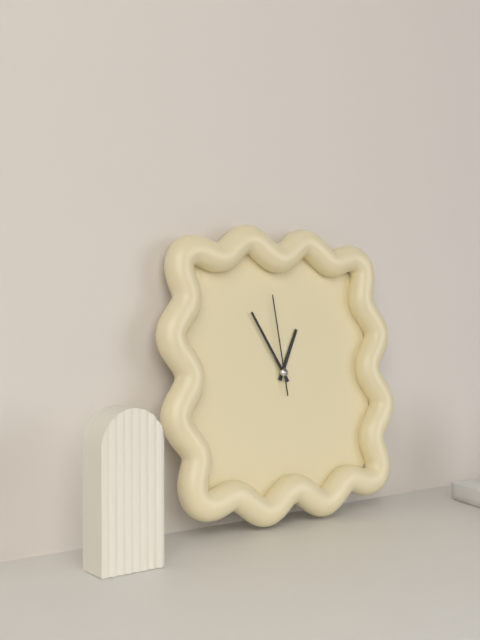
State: 12 h 55 min 59 s
